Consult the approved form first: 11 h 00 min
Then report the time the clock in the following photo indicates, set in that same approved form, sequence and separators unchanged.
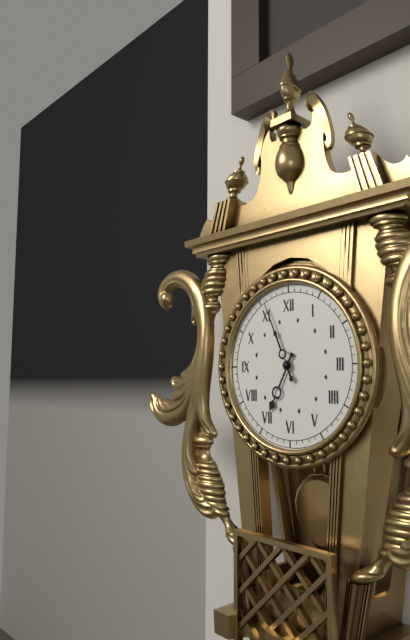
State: 6 h 56 min
